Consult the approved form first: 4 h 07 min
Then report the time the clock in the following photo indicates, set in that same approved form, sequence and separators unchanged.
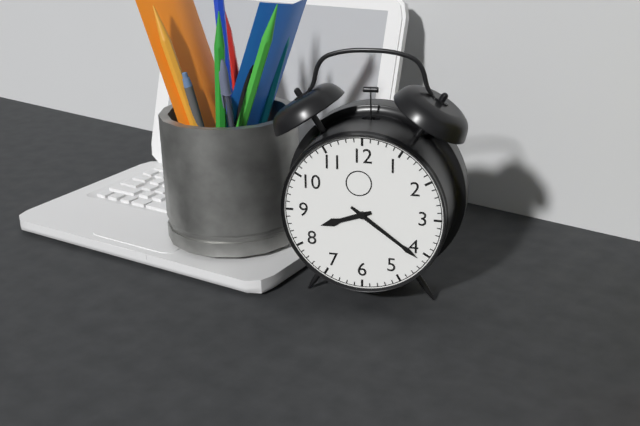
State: 8 h 21 min
